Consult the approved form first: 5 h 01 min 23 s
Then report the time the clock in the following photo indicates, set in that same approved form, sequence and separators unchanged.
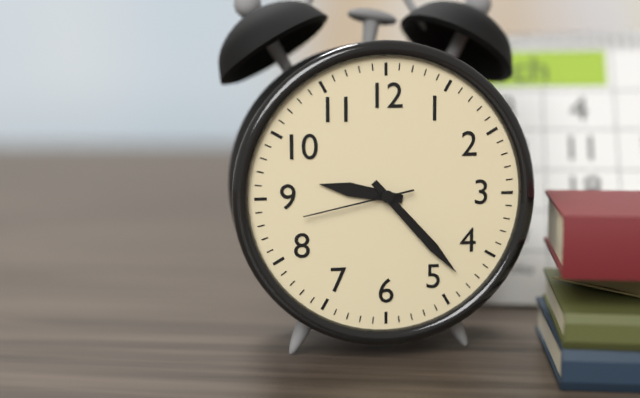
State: 9 h 23 min 43 s
